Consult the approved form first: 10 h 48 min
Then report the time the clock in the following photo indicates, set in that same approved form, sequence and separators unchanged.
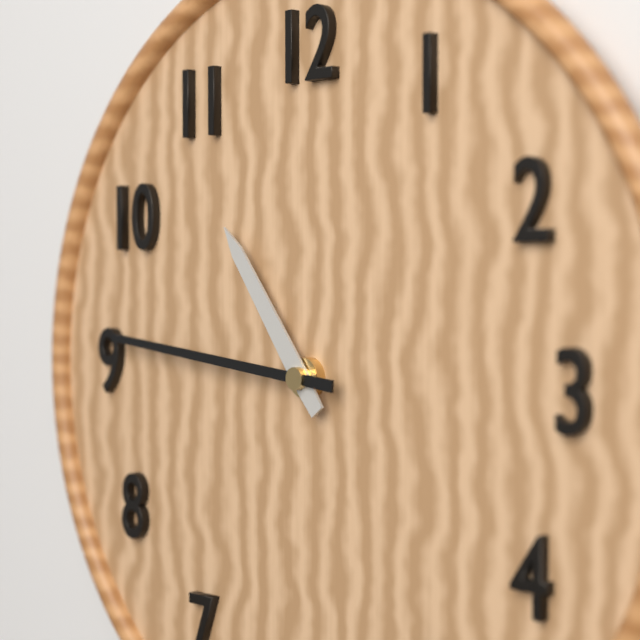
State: 10 h 46 min
